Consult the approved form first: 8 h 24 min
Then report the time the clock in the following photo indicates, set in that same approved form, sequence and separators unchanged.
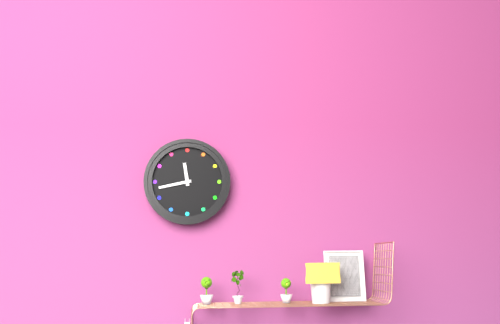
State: 11 h 43 min
